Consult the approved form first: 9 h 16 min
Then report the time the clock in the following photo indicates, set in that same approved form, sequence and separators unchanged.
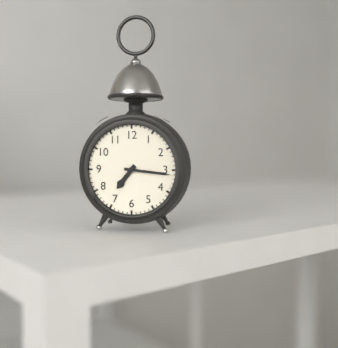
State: 7 h 16 min
